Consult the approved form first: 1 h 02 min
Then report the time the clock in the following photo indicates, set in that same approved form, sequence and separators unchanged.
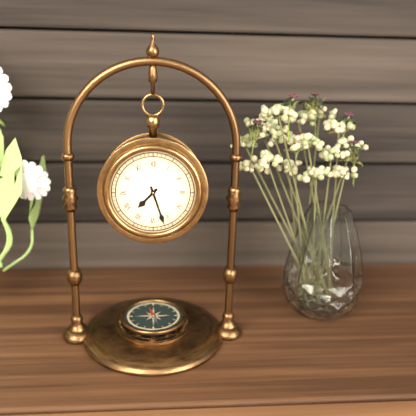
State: 7 h 27 min
